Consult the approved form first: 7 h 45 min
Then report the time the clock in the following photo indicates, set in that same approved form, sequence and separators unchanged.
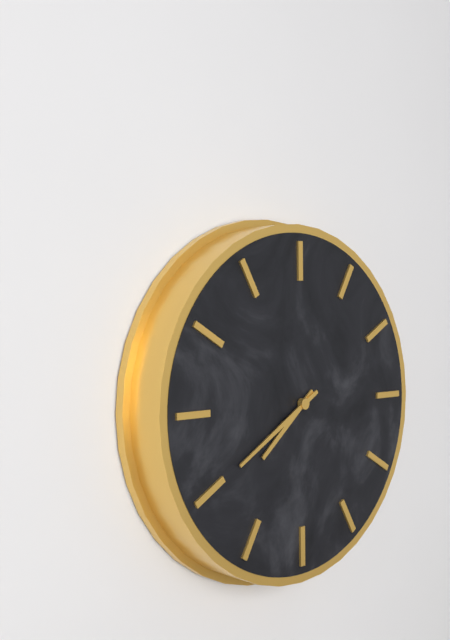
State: 7 h 40 min
